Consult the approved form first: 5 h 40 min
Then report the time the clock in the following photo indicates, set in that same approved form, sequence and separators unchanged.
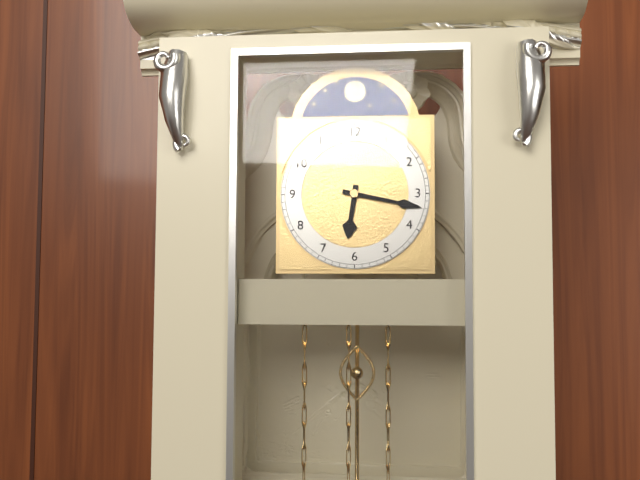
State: 6 h 17 min
